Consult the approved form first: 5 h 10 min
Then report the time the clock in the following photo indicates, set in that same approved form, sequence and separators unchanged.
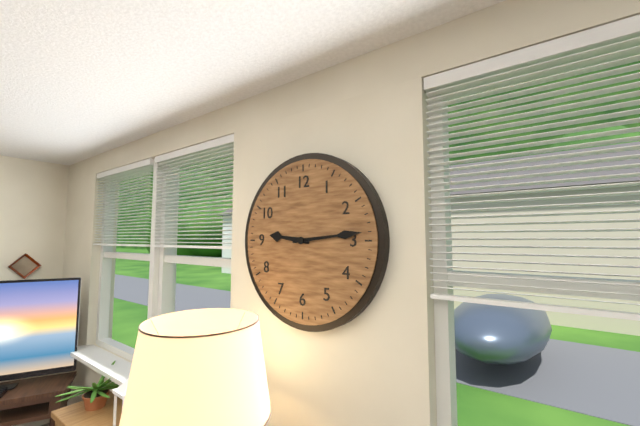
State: 9 h 14 min
